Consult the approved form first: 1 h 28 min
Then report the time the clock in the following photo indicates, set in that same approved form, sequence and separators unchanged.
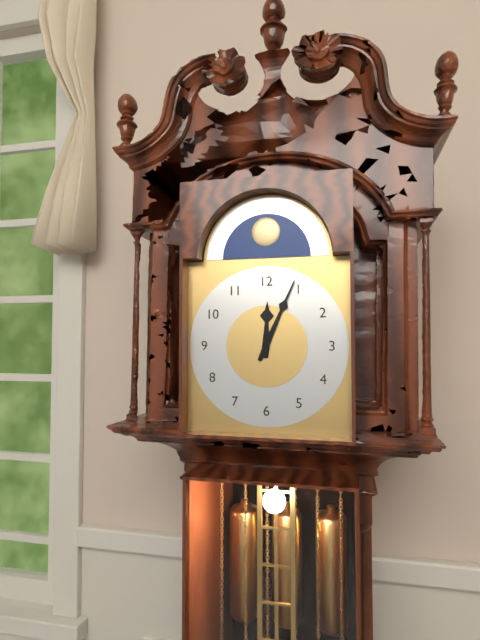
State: 12 h 04 min
